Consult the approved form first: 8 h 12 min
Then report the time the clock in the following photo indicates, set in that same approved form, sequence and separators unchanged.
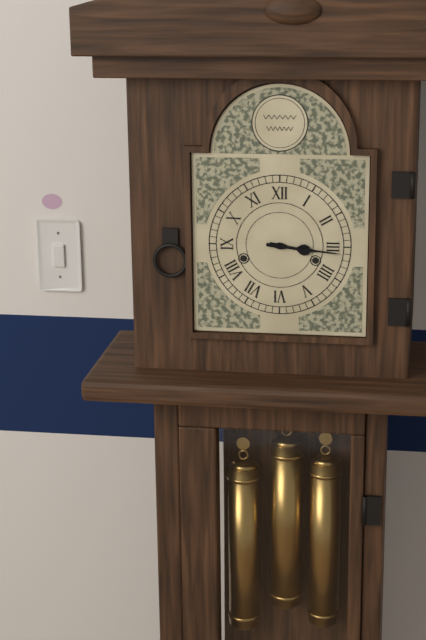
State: 3 h 16 min
